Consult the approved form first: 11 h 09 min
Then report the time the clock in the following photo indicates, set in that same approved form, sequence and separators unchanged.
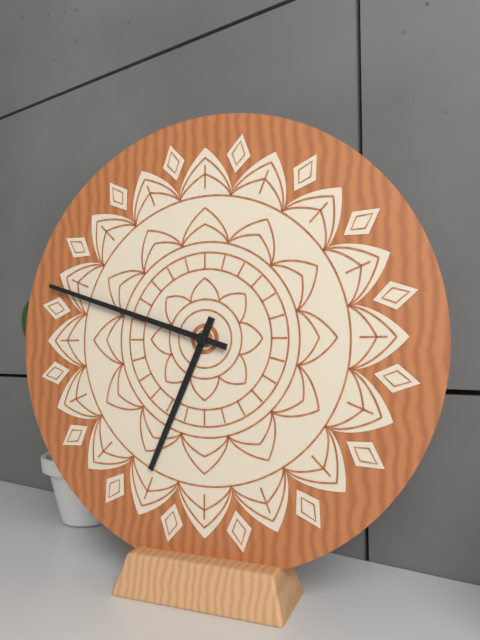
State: 6 h 48 min
